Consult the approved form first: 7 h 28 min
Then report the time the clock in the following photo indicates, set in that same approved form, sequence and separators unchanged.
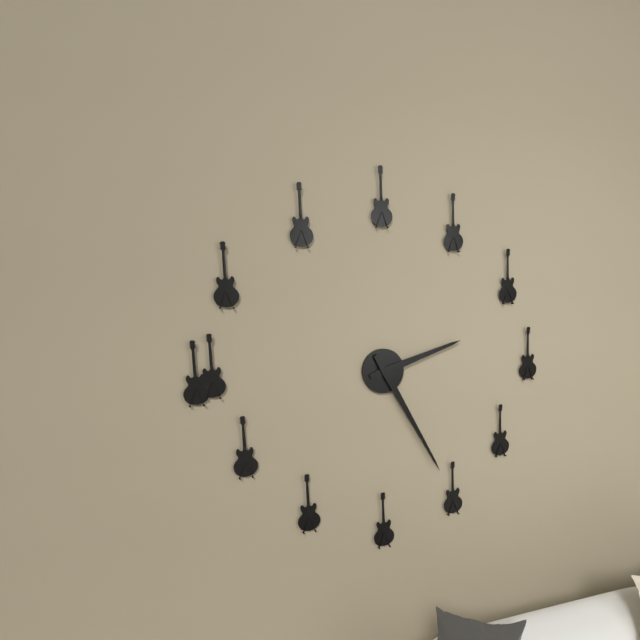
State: 2 h 25 min
